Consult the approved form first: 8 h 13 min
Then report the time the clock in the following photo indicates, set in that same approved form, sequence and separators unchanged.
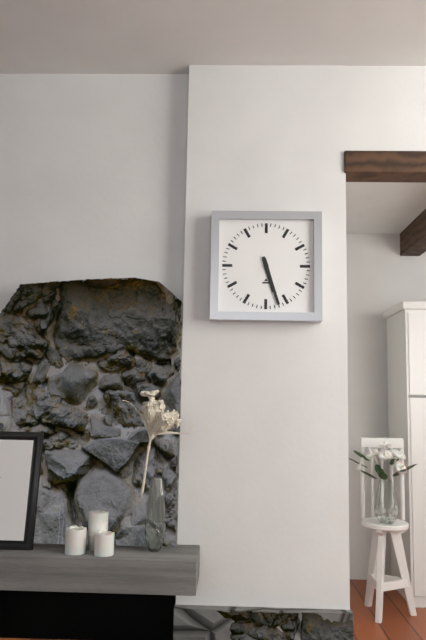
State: 5 h 27 min
